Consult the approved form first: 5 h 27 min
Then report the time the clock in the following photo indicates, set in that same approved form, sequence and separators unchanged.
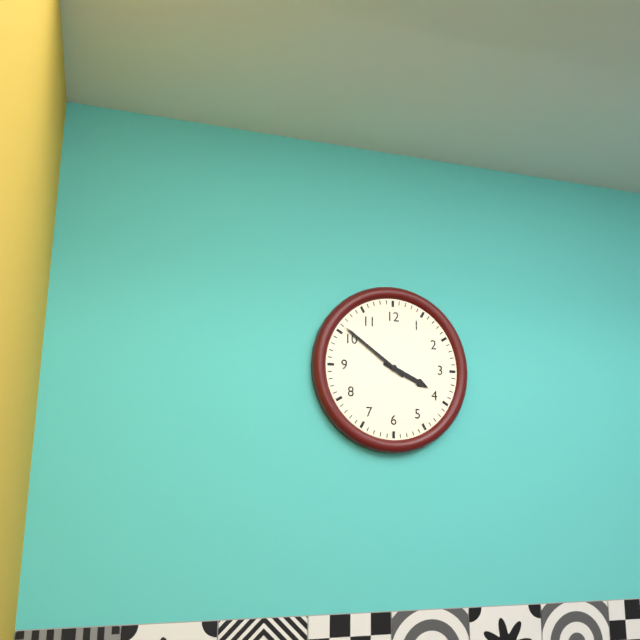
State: 3 h 51 min
